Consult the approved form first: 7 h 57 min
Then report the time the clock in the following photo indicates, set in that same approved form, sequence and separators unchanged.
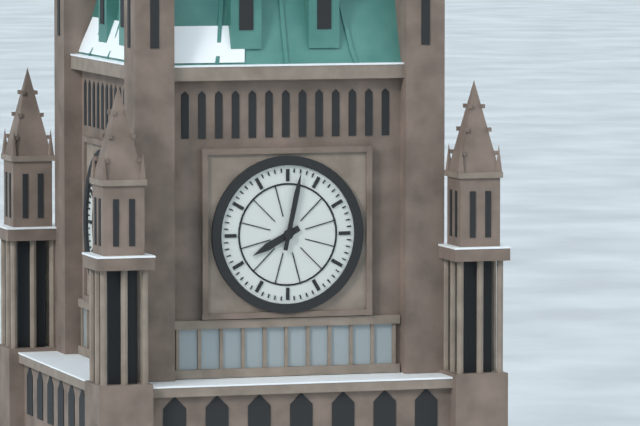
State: 8 h 02 min
